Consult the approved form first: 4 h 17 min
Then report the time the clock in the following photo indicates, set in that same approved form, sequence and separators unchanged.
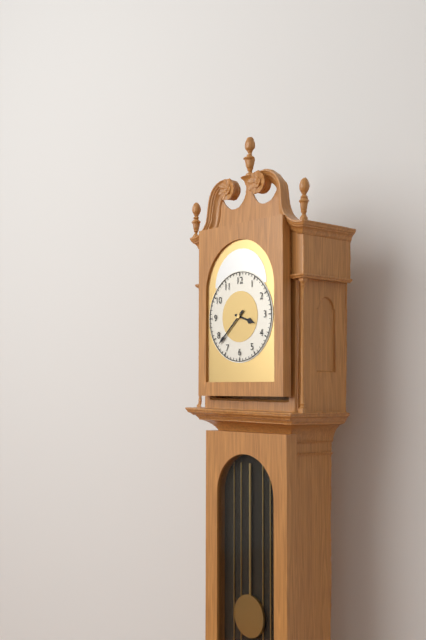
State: 3 h 38 min
